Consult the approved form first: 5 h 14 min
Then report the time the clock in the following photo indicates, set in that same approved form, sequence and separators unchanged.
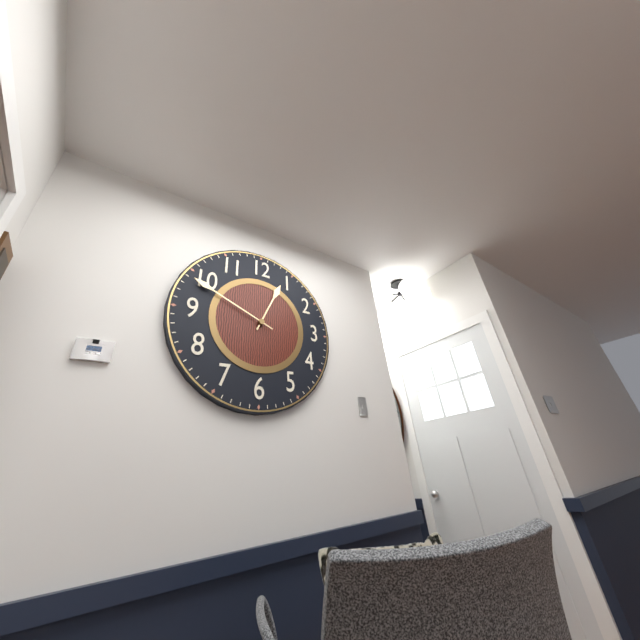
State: 12 h 49 min
